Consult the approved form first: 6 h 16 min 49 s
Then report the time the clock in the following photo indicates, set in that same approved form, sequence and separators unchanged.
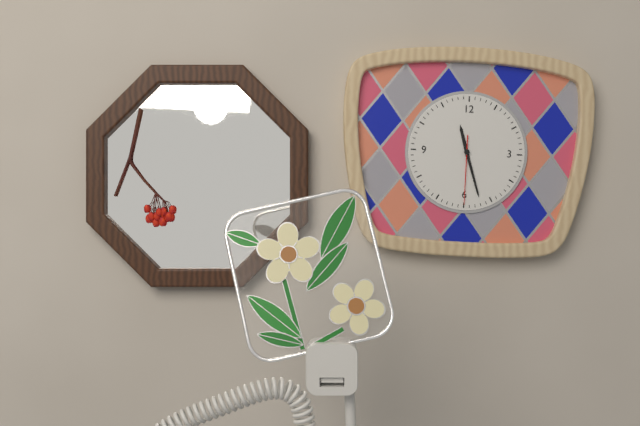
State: 11 h 27 min 30 s
